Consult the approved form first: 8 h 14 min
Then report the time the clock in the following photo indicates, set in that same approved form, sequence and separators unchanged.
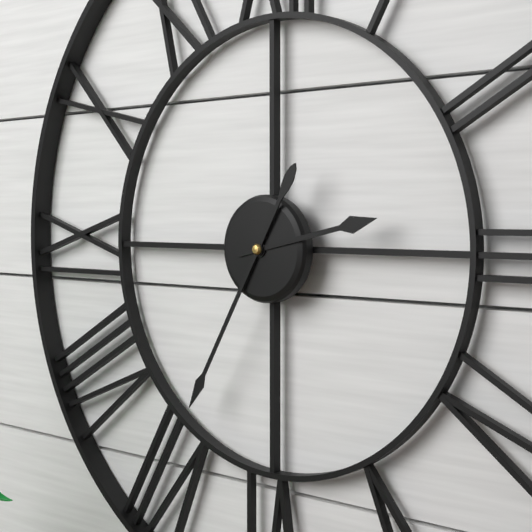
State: 2 h 35 min
